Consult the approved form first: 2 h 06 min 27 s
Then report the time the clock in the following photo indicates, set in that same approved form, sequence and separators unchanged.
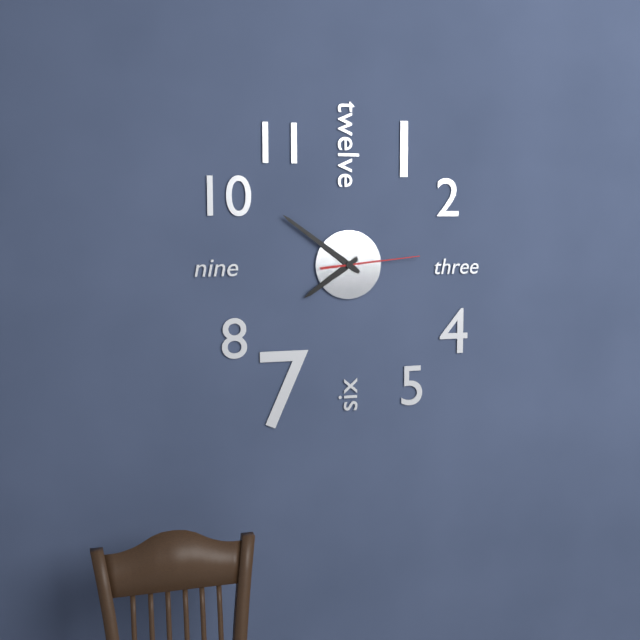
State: 7 h 51 min 14 s
